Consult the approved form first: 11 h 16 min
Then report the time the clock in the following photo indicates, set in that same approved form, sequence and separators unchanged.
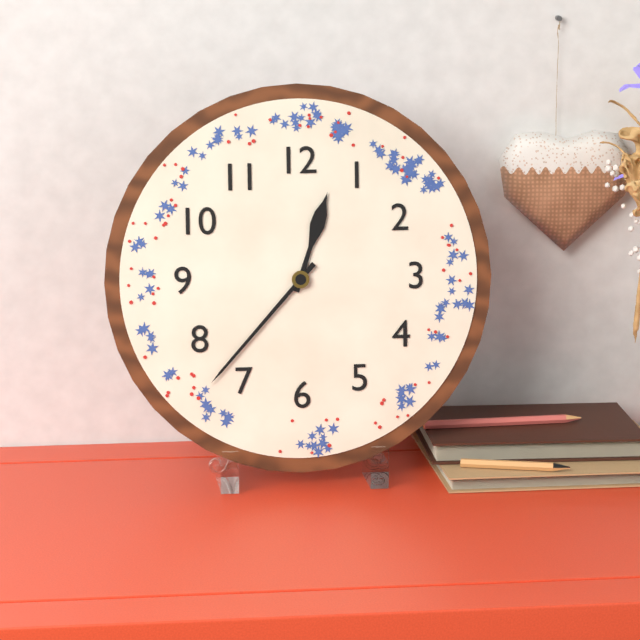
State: 12 h 37 min
